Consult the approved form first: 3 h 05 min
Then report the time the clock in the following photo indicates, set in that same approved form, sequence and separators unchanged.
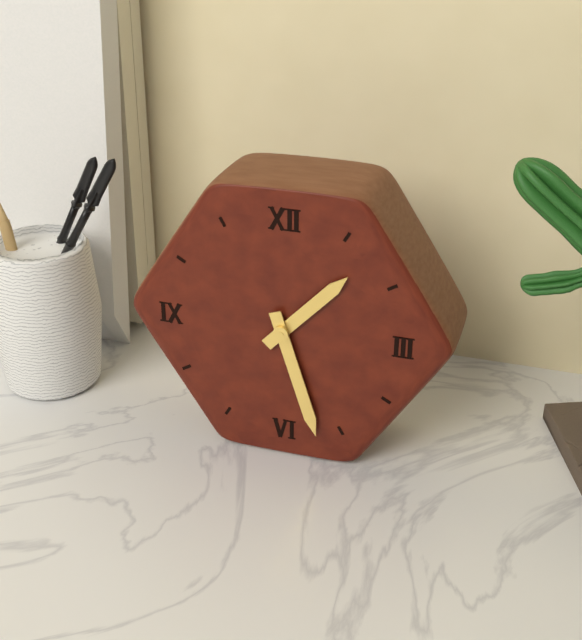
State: 1 h 27 min
